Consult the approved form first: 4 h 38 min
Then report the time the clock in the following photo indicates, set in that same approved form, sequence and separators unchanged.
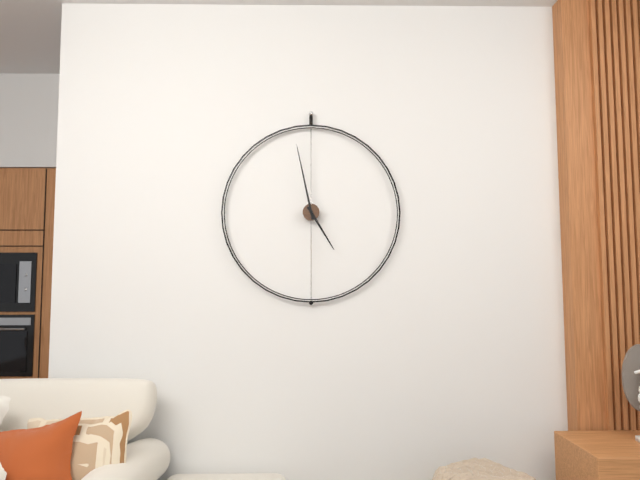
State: 4 h 58 min
